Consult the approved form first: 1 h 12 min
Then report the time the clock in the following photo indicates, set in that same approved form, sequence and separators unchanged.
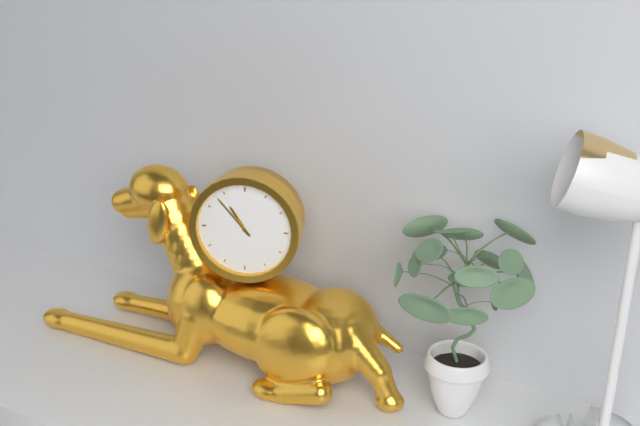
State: 10 h 53 min
